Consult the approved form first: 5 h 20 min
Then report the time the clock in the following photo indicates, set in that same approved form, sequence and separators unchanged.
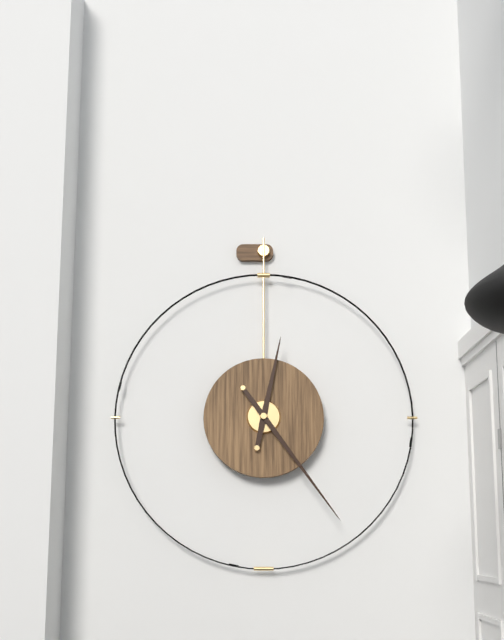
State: 12 h 24 min
